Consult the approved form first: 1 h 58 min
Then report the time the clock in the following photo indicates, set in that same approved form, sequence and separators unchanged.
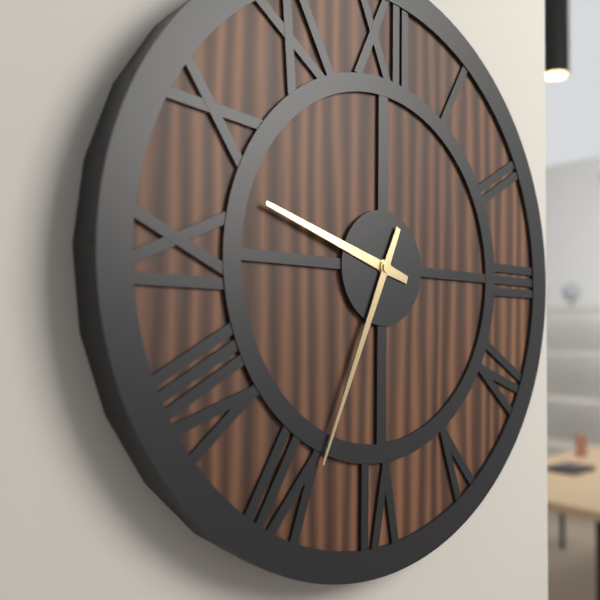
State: 9 h 34 min
